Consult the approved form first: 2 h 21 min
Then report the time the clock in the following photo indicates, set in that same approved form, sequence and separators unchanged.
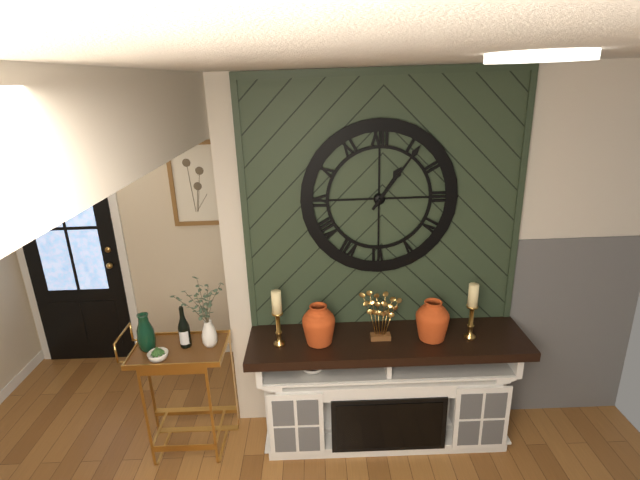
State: 1 h 06 min
